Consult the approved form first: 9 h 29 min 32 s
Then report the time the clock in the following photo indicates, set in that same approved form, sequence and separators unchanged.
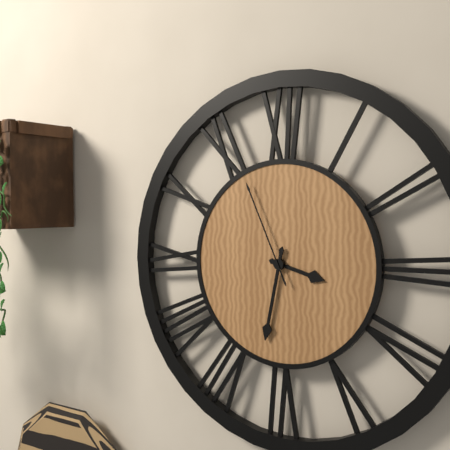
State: 3 h 32 min 56 s
